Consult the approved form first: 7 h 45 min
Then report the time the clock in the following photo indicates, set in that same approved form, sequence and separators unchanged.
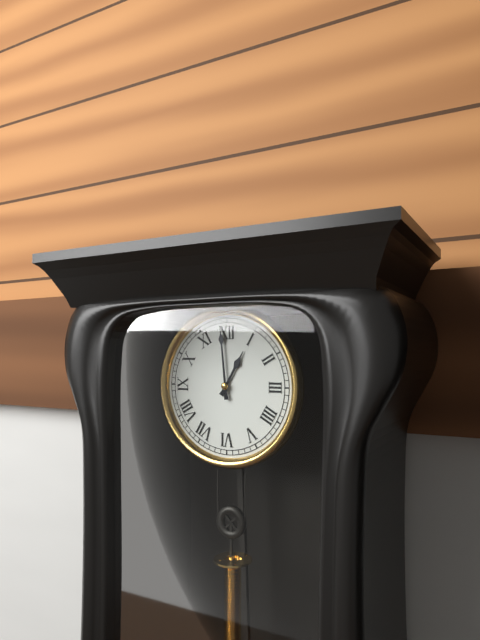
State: 12 h 59 min
